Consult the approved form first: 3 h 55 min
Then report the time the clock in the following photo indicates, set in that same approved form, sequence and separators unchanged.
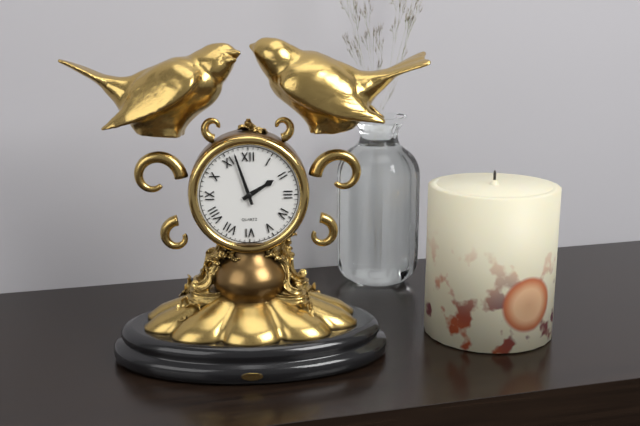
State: 1 h 57 min
